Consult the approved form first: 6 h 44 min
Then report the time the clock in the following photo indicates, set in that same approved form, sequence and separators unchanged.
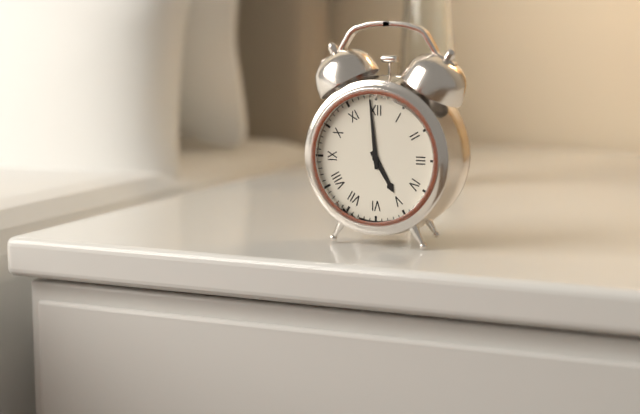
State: 4 h 59 min
